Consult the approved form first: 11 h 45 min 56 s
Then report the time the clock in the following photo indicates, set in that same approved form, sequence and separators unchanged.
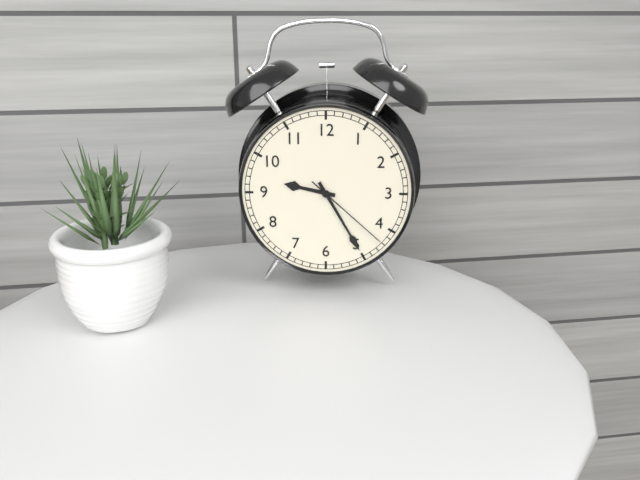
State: 9 h 25 min 22 s
